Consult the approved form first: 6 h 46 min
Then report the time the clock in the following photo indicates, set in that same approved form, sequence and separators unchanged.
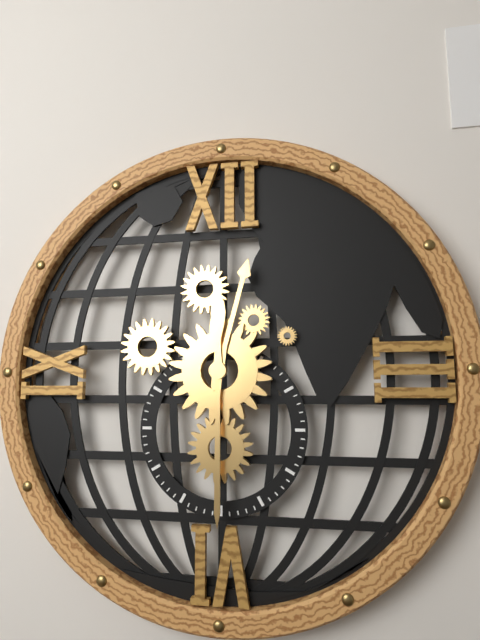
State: 12 h 30 min
